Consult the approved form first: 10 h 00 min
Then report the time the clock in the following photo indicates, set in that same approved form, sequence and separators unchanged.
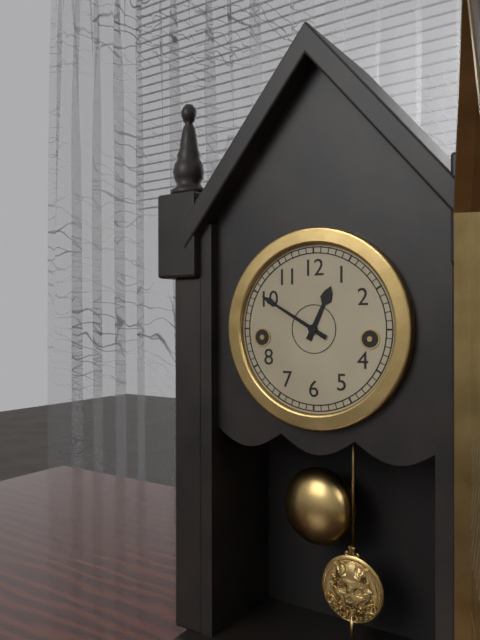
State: 12 h 50 min
